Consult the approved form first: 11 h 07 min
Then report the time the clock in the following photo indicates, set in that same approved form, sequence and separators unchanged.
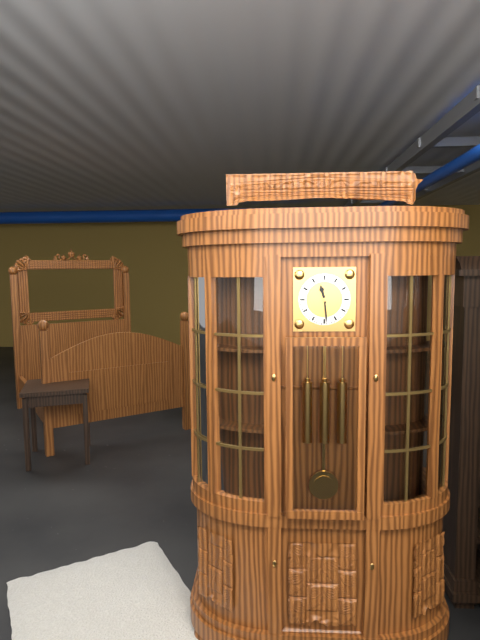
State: 11 h 29 min
